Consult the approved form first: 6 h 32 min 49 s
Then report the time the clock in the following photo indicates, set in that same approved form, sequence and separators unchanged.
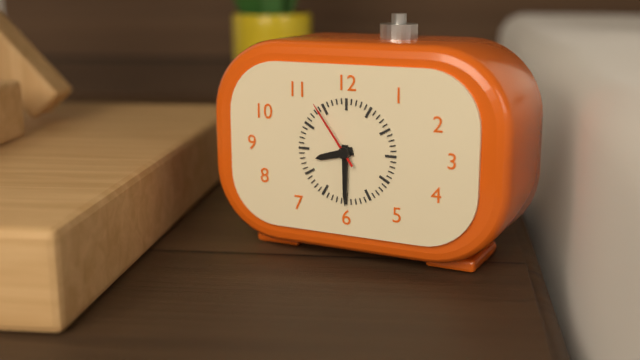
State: 8 h 30 min 54 s
